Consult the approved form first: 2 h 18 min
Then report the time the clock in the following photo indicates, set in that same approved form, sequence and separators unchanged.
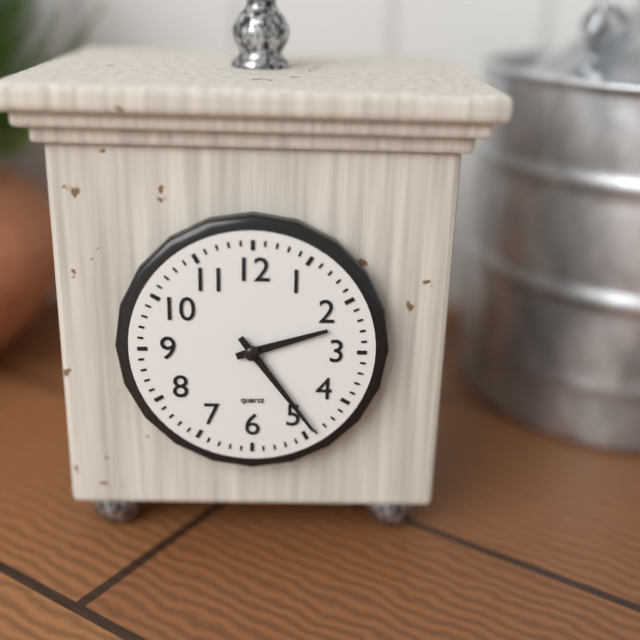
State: 2 h 24 min
